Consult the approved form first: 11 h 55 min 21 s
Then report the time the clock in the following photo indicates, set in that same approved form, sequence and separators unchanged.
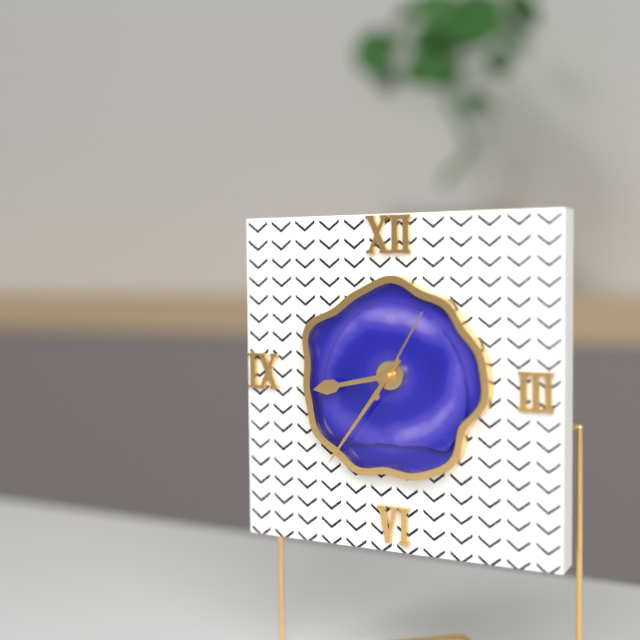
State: 8 h 36 min 05 s
